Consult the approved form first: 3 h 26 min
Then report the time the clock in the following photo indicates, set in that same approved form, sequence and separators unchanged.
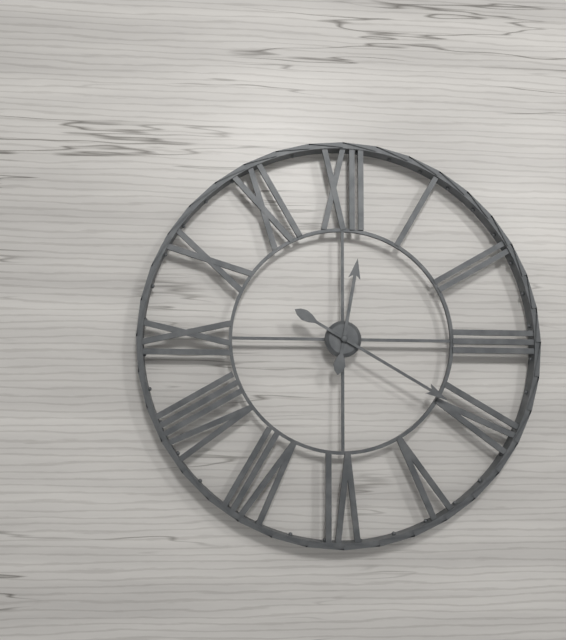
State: 12 h 20 min
